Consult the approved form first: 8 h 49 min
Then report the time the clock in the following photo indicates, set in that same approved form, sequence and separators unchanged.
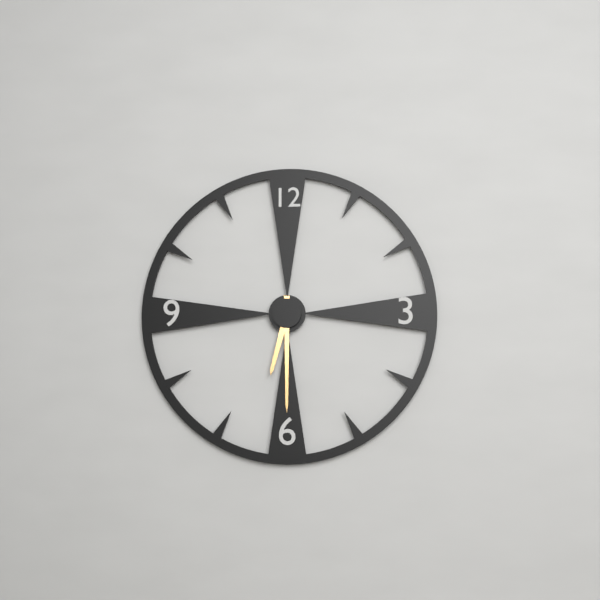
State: 6 h 30 min
